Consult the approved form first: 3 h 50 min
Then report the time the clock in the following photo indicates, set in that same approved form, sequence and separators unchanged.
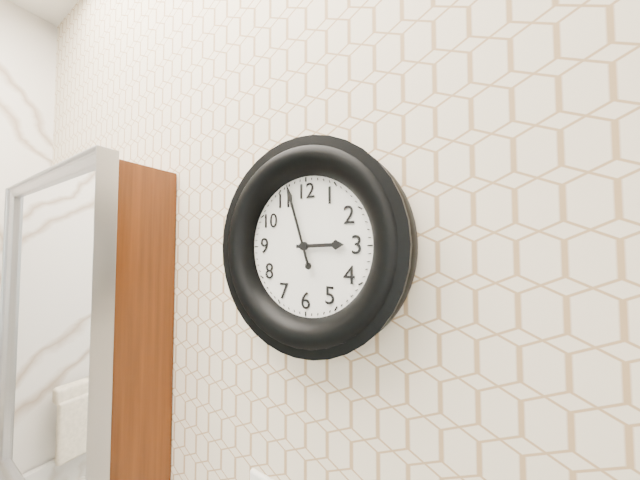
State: 2 h 57 min
